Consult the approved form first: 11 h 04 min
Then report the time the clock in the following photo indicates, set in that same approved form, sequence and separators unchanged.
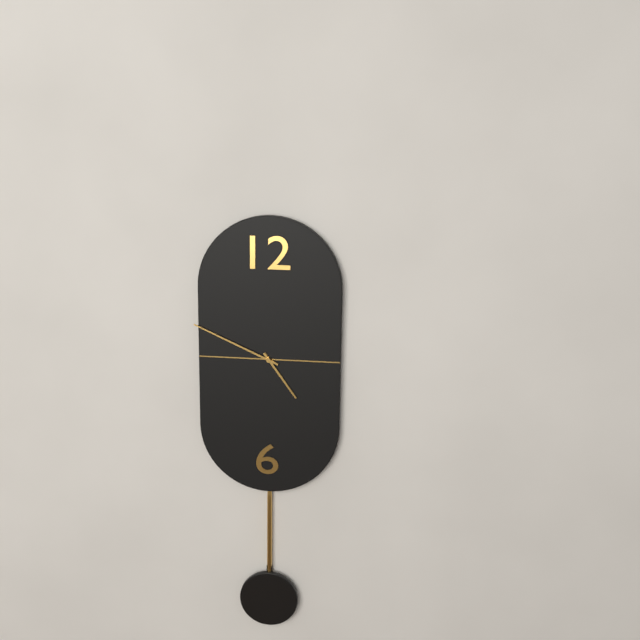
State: 4 h 49 min
